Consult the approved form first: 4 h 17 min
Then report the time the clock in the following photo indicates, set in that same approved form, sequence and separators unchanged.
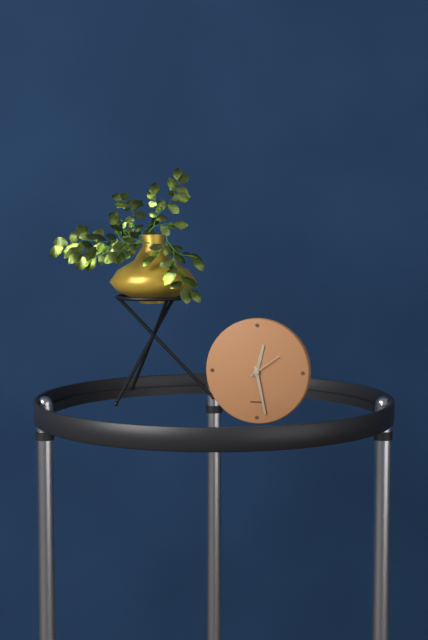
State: 12 h 28 min
